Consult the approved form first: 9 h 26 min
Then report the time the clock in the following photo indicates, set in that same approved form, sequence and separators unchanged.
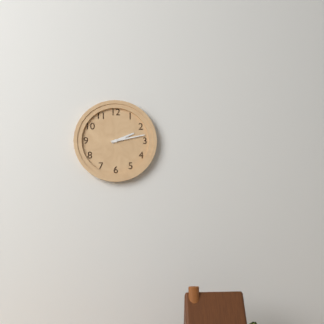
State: 2 h 13 min
